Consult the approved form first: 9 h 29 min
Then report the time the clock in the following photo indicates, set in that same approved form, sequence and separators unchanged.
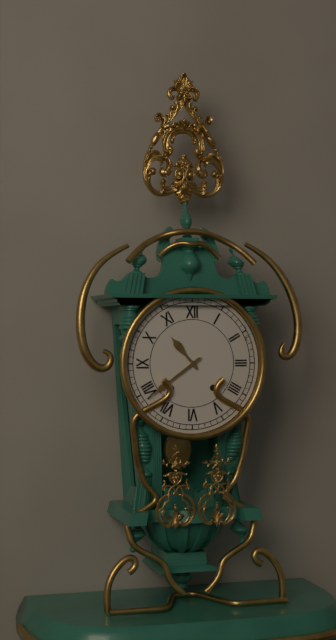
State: 10 h 39 min
